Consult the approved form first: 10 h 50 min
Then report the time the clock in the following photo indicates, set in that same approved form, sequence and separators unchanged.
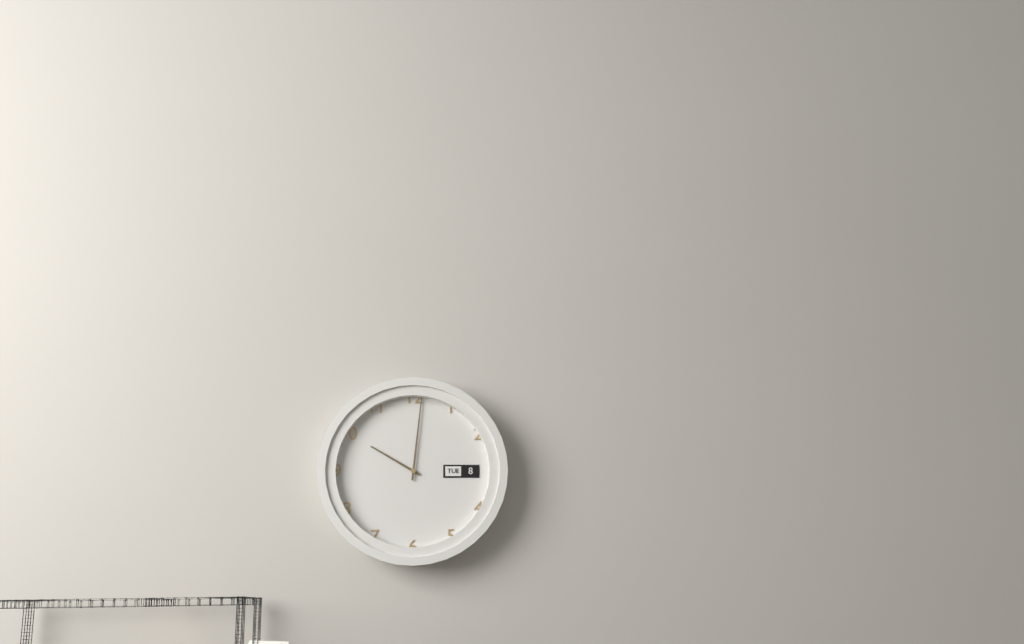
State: 10 h 01 min
